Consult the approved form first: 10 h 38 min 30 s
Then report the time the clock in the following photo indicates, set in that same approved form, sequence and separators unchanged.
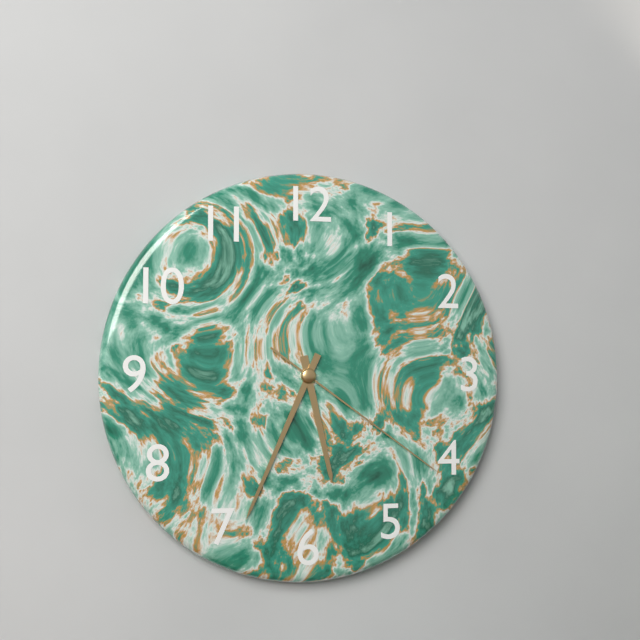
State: 5 h 34 min 21 s
